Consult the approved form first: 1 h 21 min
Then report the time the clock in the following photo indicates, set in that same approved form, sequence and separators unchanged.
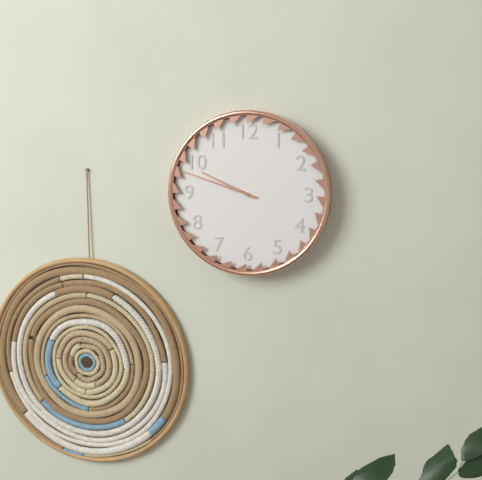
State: 9 h 48 min
